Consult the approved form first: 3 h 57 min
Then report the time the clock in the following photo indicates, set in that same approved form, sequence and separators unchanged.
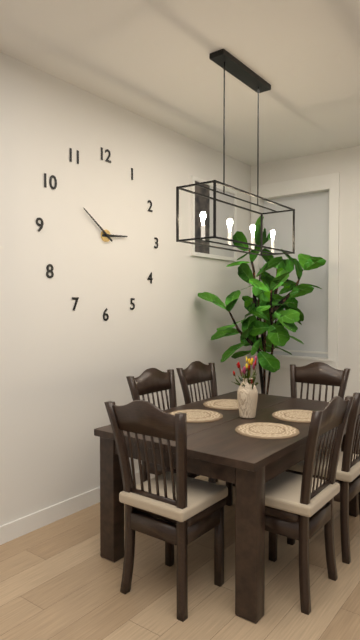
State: 2 h 51 min
